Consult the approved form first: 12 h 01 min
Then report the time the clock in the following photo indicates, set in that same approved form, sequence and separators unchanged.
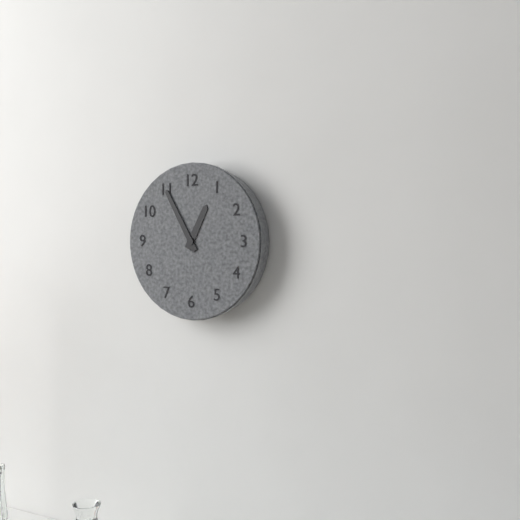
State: 12 h 55 min
